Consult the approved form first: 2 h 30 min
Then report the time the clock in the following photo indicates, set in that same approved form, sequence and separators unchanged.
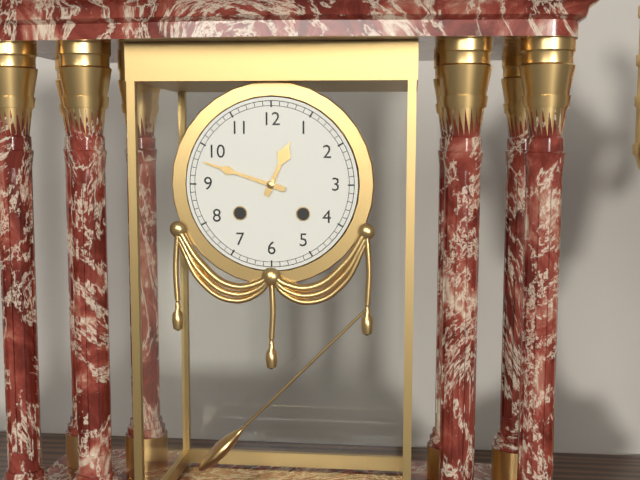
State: 12 h 48 min
